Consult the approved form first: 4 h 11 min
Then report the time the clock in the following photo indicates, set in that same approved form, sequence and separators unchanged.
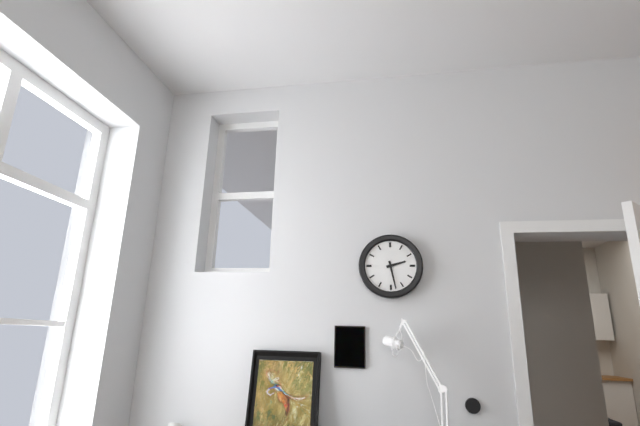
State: 2 h 28 min
